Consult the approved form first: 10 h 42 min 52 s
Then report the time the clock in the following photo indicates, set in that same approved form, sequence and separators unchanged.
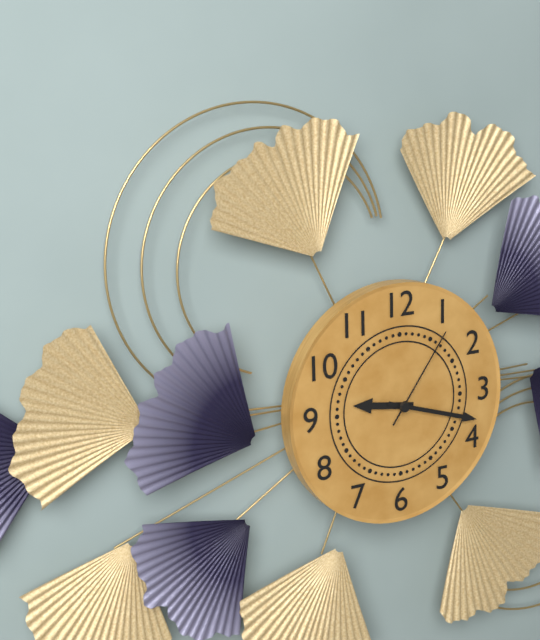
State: 9 h 18 min 06 s
